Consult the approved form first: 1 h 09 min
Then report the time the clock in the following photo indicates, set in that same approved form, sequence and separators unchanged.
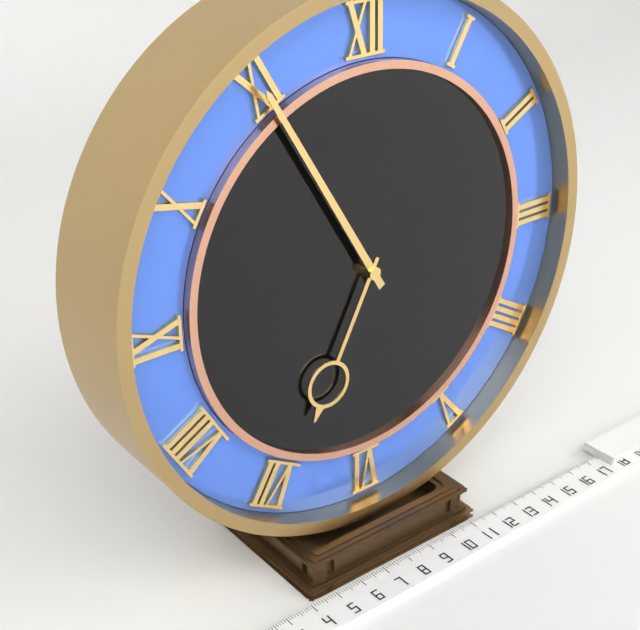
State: 6 h 55 min
